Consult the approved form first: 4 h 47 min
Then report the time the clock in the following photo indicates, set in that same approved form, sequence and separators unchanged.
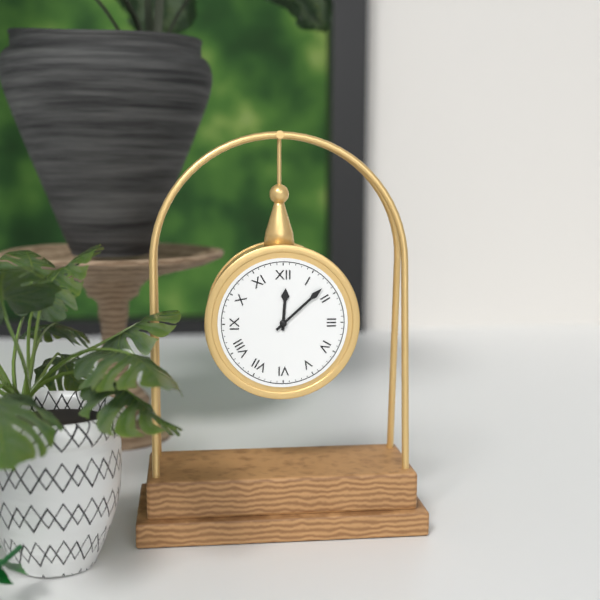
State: 12 h 08 min
